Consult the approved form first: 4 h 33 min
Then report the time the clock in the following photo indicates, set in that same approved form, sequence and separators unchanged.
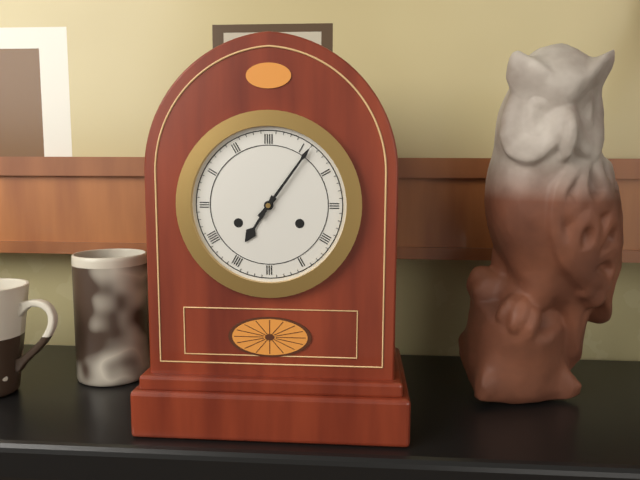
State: 7 h 06 min
